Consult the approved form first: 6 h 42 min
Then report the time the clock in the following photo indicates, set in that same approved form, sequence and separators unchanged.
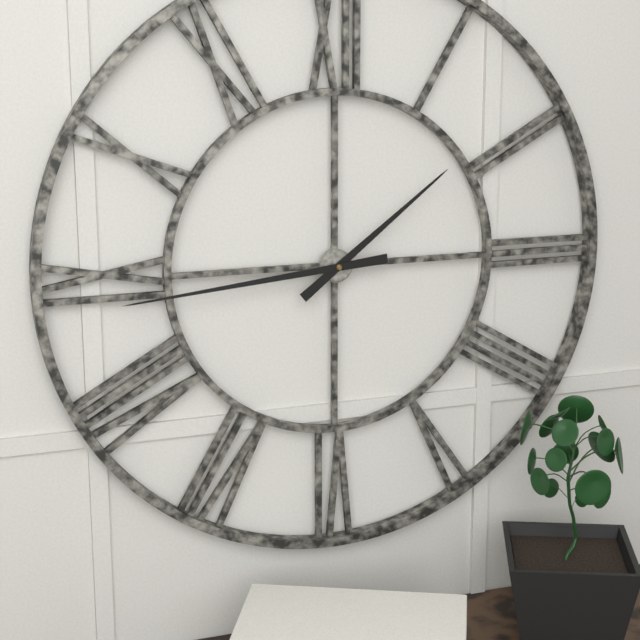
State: 1 h 44 min
